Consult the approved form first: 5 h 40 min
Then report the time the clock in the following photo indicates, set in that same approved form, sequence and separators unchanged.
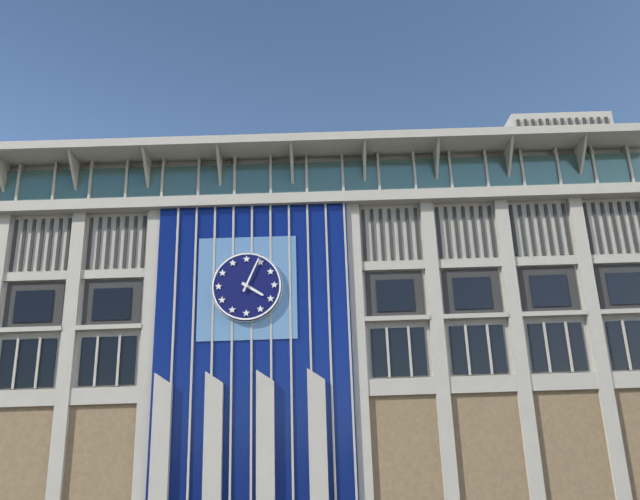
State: 4 h 04 min
